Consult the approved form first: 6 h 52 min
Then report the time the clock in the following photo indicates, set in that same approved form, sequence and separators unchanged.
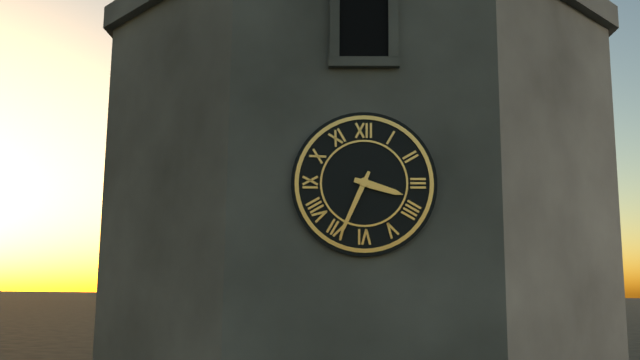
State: 3 h 34 min
